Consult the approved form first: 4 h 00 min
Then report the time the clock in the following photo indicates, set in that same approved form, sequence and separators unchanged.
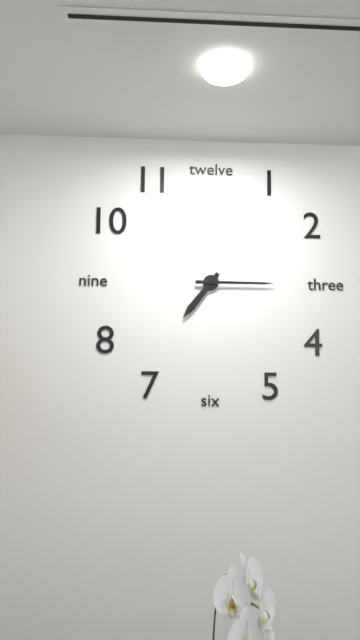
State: 7 h 15 min
